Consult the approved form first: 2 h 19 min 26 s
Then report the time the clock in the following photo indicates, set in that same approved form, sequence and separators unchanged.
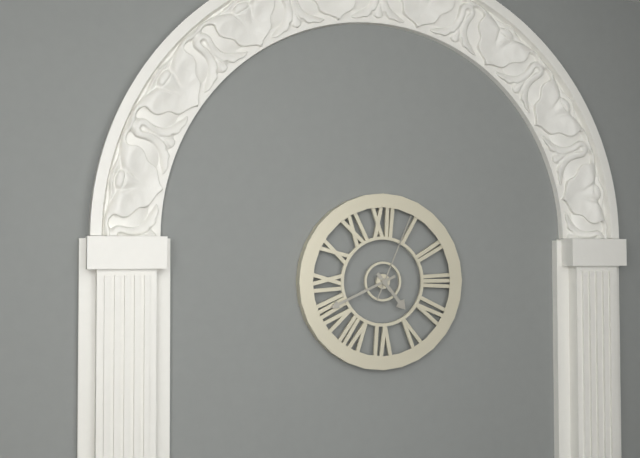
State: 4 h 41 min 04 s
